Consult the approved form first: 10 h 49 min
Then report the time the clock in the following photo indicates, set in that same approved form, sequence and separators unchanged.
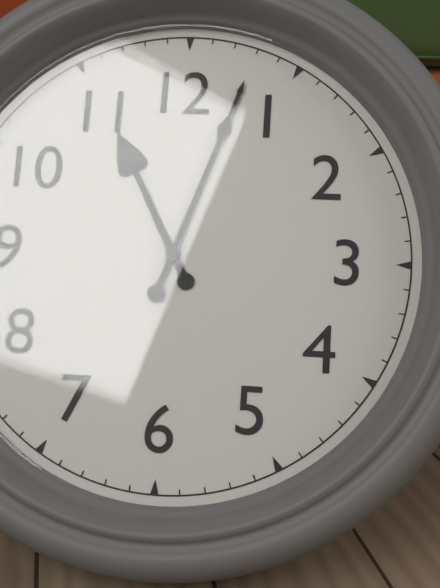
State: 11 h 03 min
